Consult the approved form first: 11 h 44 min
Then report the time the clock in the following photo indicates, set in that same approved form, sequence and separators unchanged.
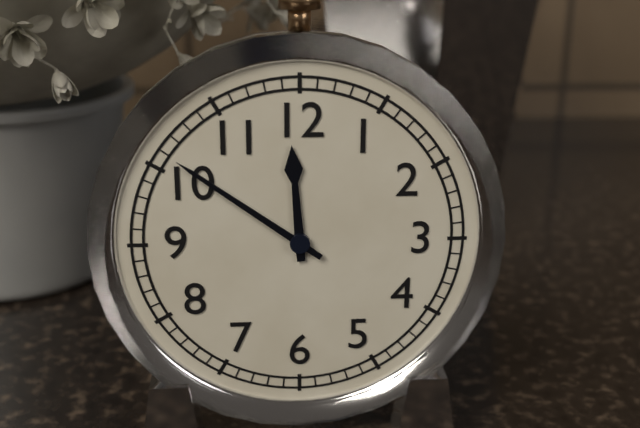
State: 11 h 51 min
